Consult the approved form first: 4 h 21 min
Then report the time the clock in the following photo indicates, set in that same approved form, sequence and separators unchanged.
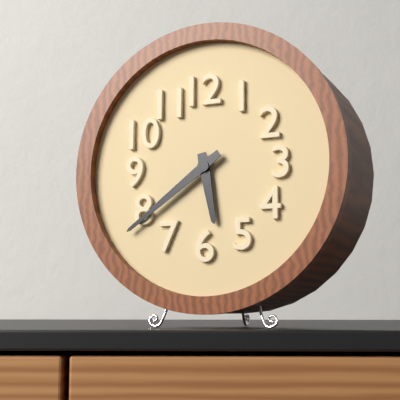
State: 5 h 39 min
